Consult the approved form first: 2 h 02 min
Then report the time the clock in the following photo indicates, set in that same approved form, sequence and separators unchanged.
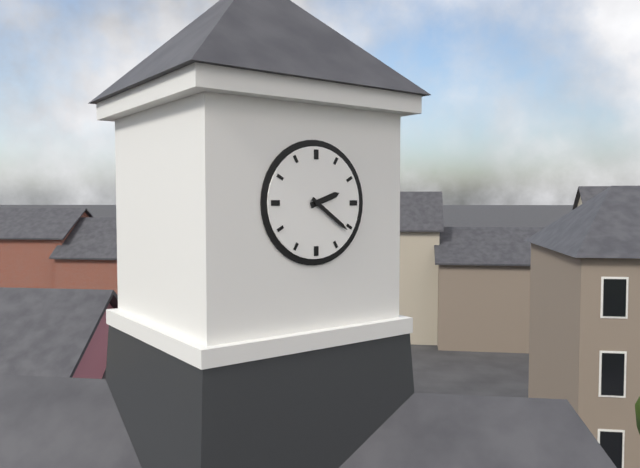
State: 2 h 21 min
